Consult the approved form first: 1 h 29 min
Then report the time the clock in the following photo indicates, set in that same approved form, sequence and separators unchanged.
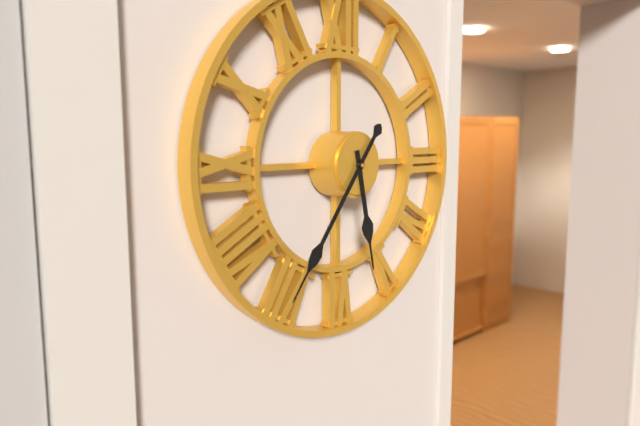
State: 5 h 36 min
